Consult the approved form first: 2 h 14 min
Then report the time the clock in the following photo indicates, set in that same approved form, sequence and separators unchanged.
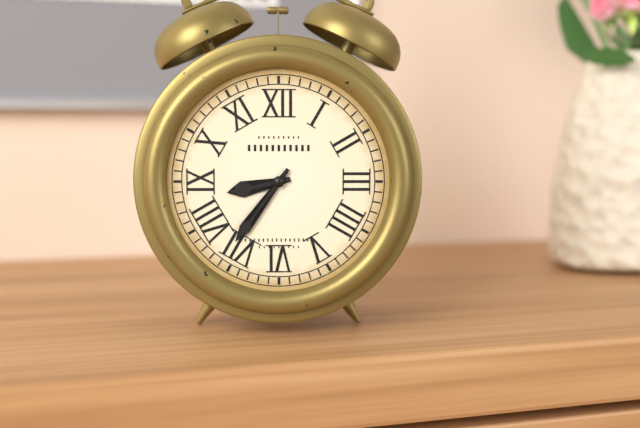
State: 8 h 36 min
